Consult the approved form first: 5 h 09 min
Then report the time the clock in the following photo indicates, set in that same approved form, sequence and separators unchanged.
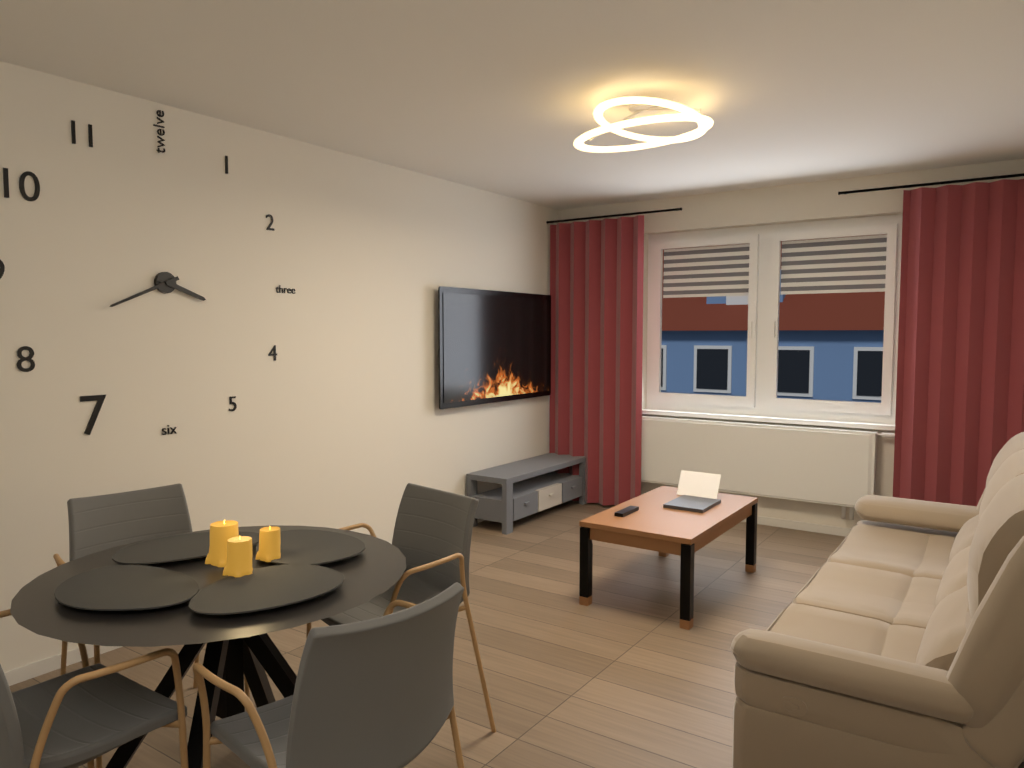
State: 3 h 41 min
